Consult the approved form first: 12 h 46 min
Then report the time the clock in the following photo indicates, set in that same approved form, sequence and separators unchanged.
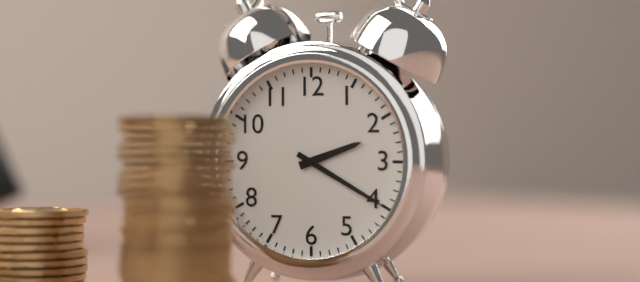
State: 2 h 20 min
